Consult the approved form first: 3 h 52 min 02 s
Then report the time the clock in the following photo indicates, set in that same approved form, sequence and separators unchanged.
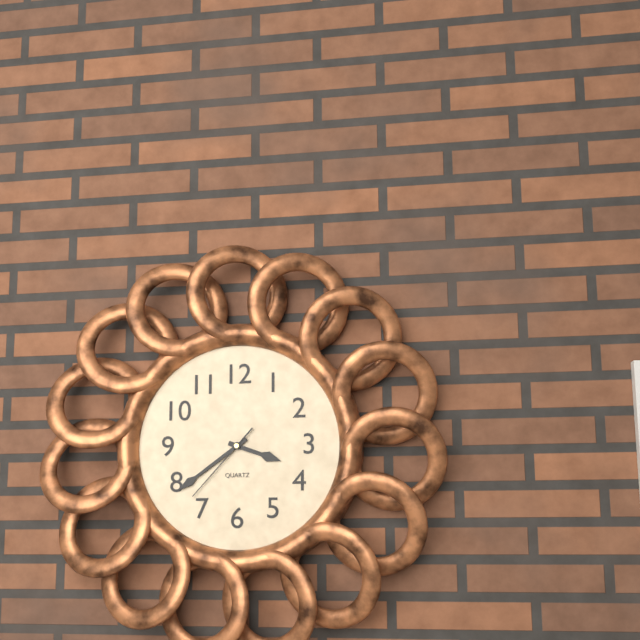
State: 3 h 39 min 37 s
